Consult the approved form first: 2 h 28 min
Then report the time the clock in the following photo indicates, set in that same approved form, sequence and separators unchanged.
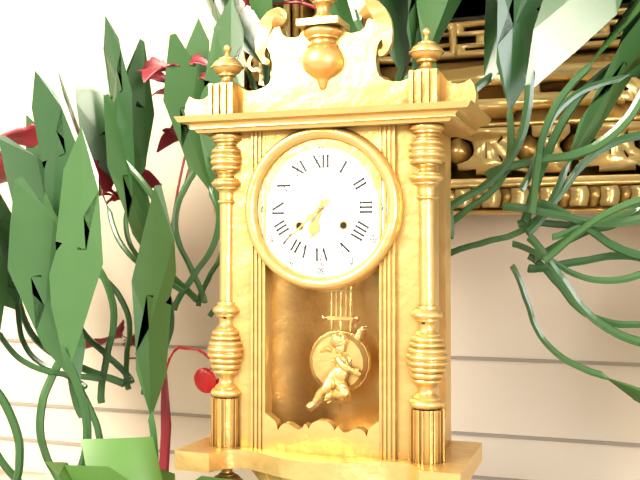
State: 6 h 38 min
